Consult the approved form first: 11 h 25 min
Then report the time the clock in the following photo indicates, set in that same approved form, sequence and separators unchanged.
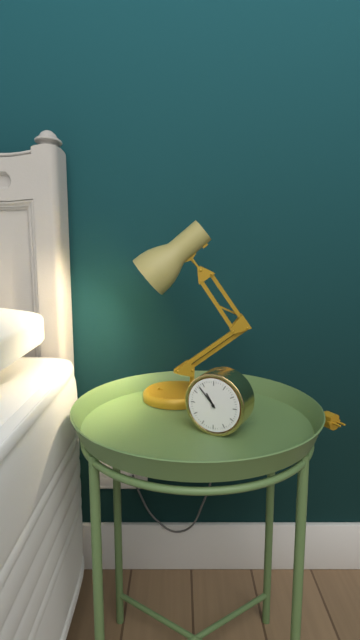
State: 10 h 53 min
